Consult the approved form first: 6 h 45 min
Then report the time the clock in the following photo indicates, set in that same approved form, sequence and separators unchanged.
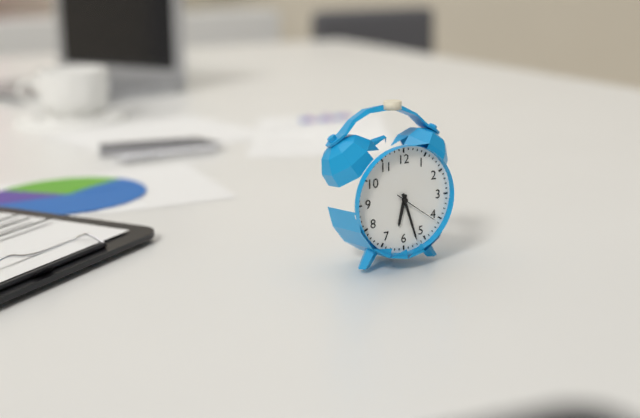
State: 6 h 27 min
